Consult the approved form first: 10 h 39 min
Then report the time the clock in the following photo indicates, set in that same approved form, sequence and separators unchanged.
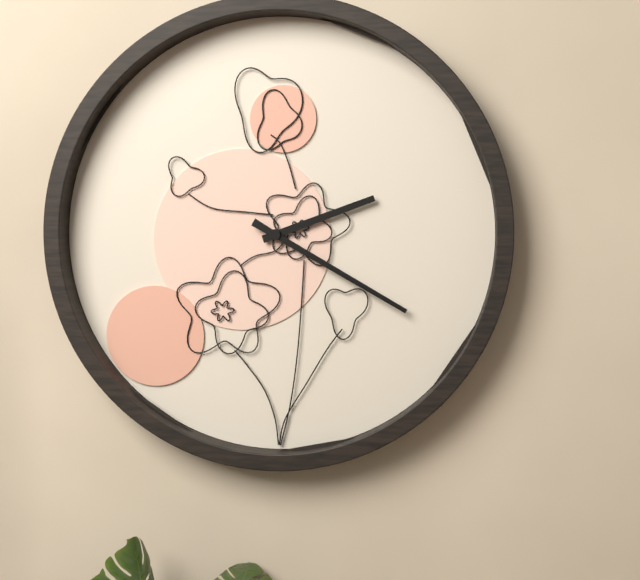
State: 2 h 20 min
